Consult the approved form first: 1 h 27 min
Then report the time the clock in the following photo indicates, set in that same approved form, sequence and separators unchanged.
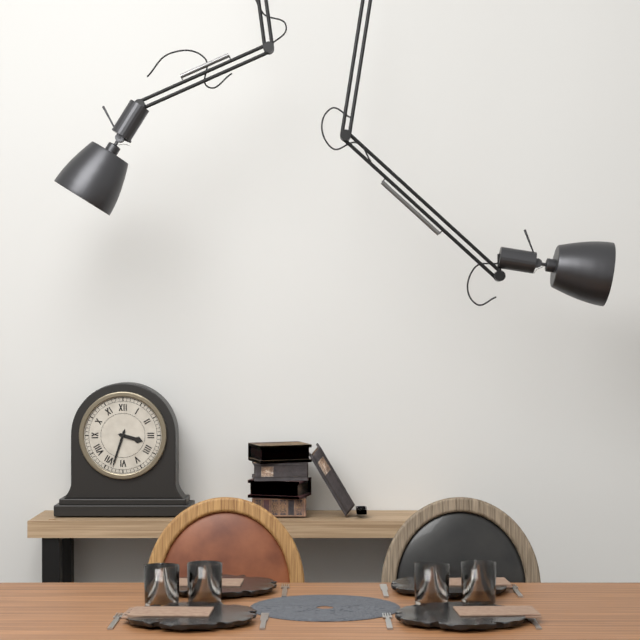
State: 3 h 33 min
